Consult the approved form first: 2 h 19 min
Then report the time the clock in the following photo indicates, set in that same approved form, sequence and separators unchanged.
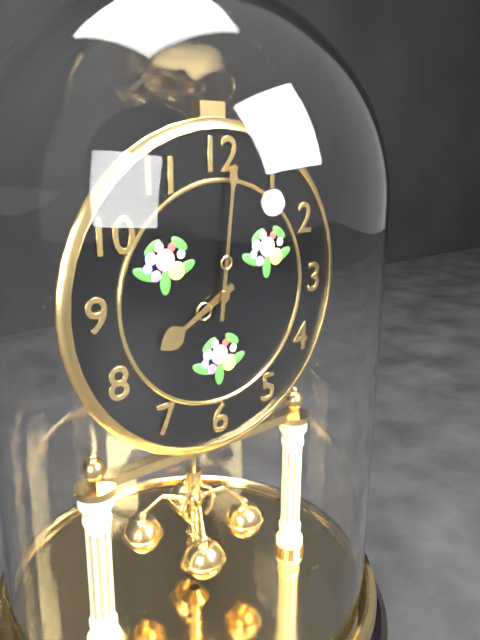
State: 8 h 01 min
